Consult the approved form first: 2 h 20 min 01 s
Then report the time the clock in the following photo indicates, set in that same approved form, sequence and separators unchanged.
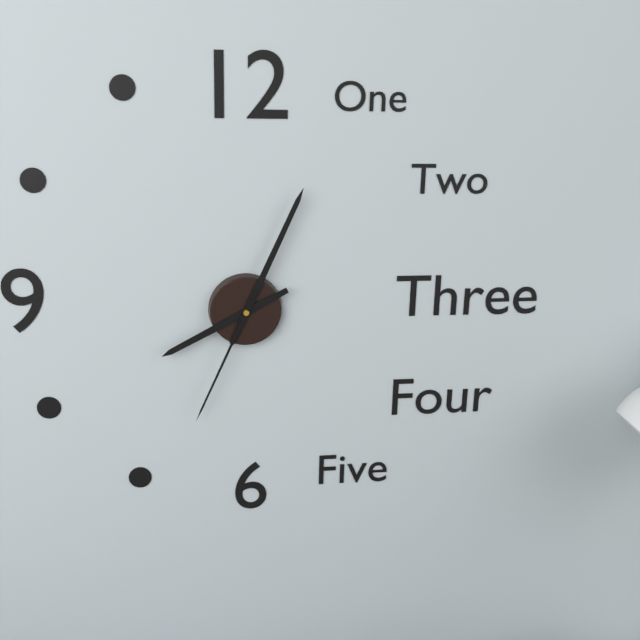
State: 8 h 04 min 34 s
